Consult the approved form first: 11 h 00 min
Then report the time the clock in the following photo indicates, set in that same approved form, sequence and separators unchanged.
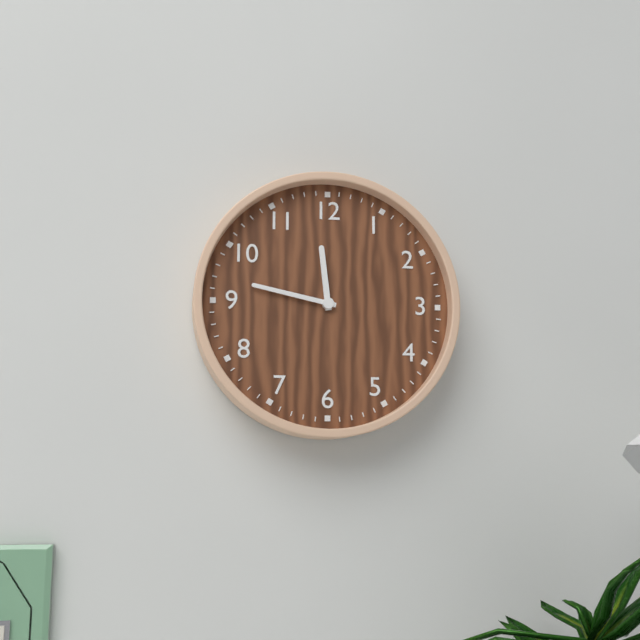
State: 11 h 47 min
